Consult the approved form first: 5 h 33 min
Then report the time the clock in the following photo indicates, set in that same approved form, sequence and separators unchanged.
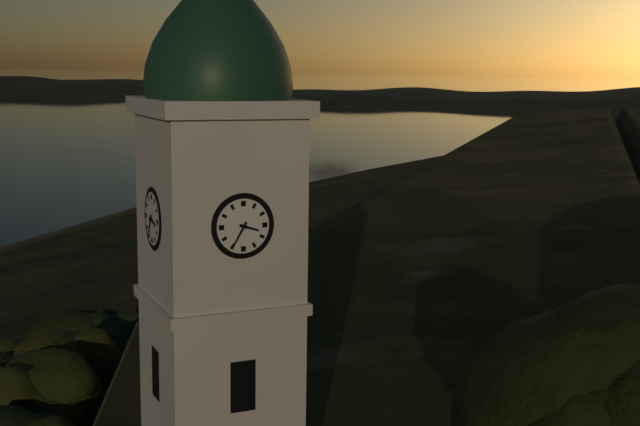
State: 3 h 35 min
